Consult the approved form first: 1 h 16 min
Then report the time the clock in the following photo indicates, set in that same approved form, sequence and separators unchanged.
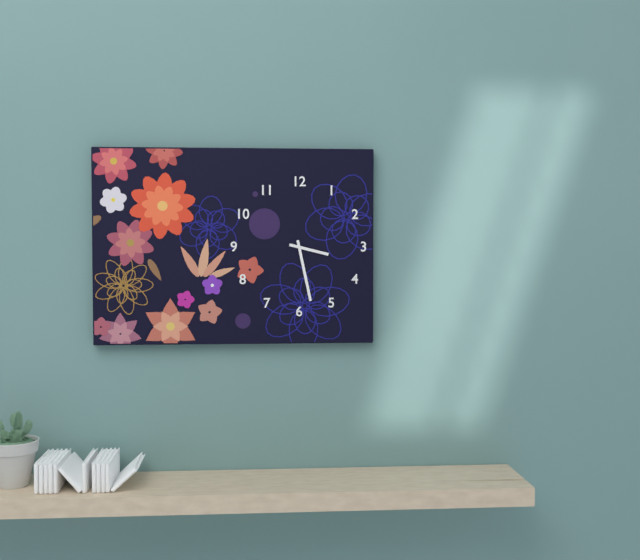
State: 3 h 28 min
